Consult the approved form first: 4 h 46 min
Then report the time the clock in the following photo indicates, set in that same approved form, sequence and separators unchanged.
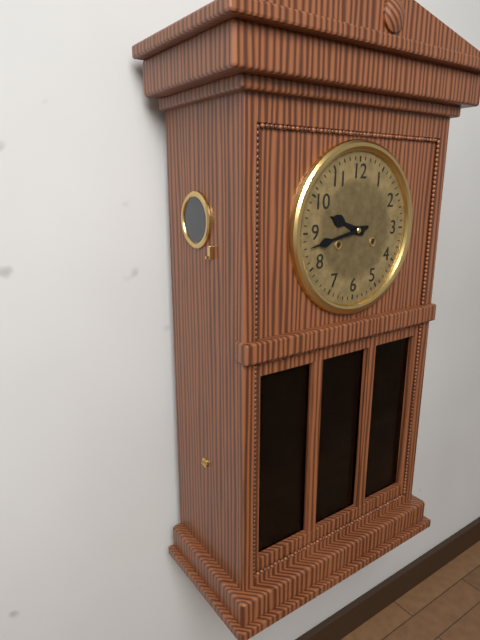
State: 9 h 43 min
